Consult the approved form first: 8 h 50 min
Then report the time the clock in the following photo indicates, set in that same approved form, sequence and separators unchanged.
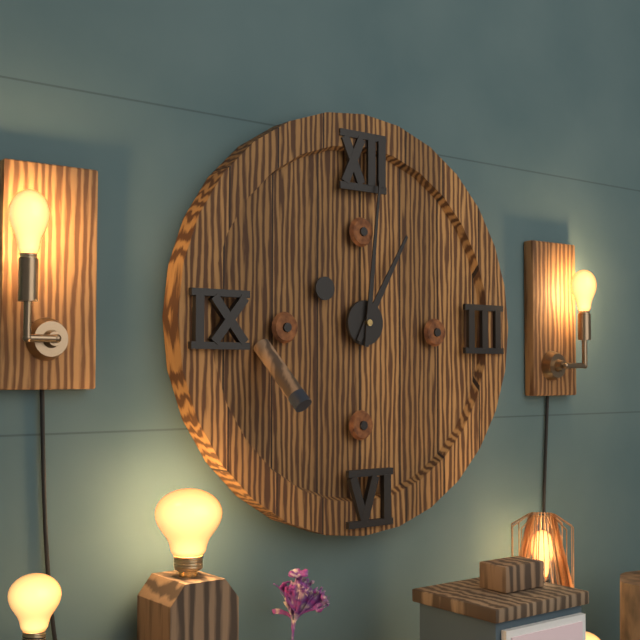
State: 1 h 01 min
